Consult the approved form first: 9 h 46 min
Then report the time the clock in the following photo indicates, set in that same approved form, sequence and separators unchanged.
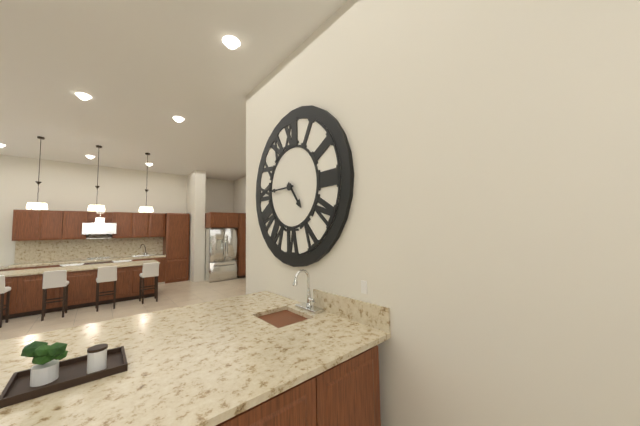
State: 4 h 45 min
